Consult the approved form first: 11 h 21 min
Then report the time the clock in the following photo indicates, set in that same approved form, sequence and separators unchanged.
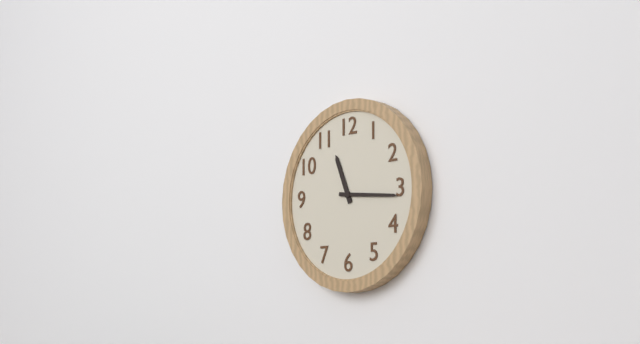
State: 11 h 16 min
